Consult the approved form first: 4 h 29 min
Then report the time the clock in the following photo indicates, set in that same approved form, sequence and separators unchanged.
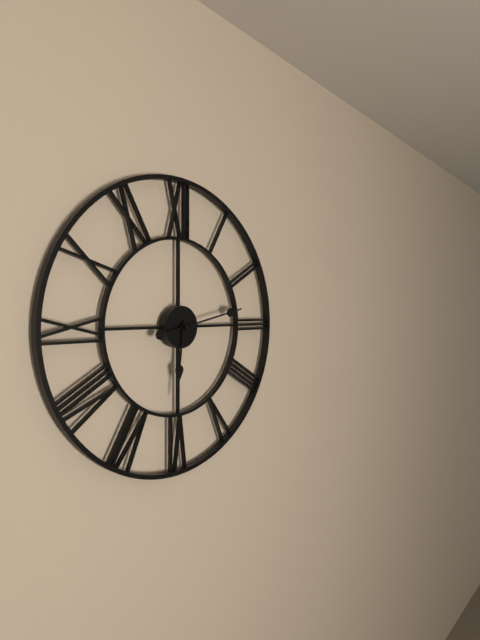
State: 6 h 13 min
